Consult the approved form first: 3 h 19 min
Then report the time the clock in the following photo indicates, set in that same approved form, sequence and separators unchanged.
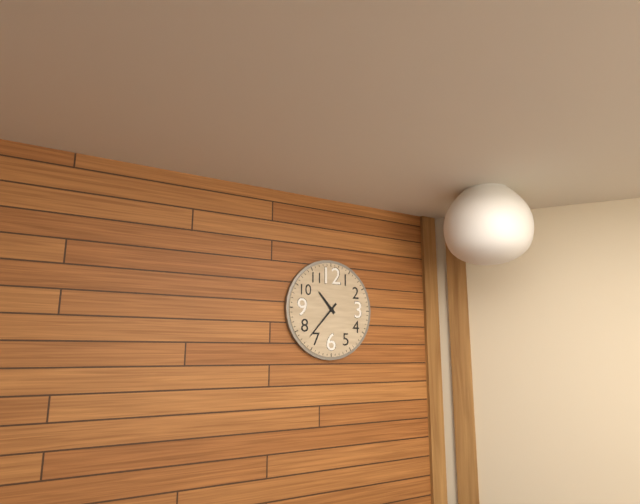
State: 10 h 37 min
